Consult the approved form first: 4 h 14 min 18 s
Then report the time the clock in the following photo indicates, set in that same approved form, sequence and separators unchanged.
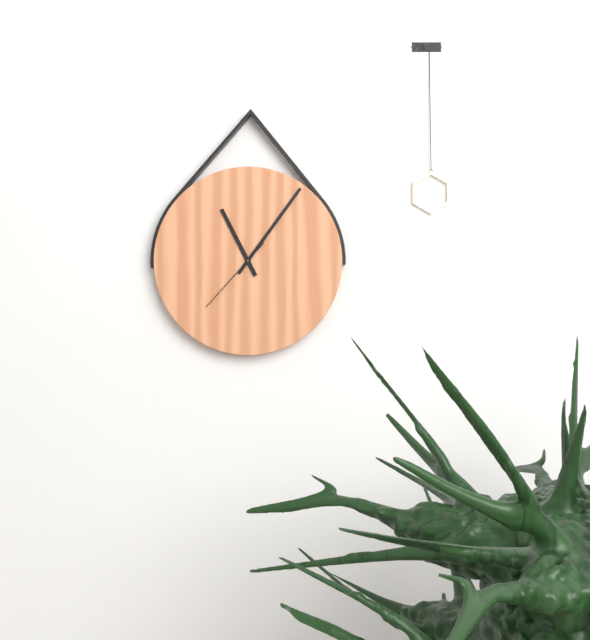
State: 11 h 06 min 37 s
